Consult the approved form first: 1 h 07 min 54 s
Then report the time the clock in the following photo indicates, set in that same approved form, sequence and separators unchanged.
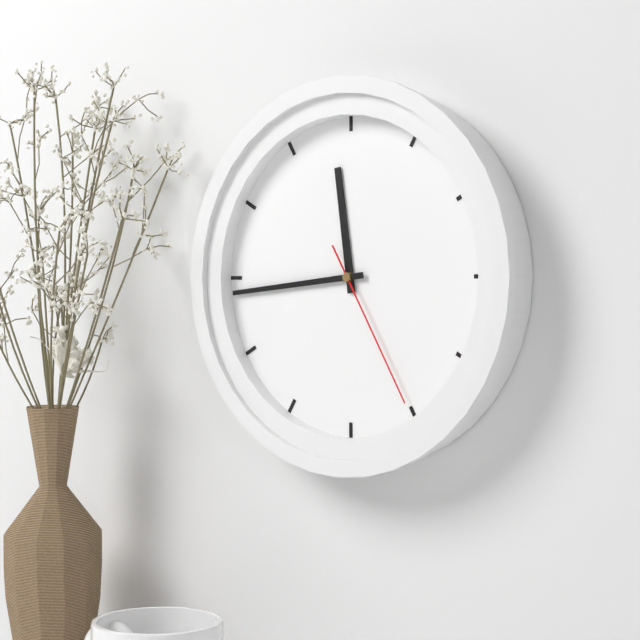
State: 11 h 44 min 25 s
